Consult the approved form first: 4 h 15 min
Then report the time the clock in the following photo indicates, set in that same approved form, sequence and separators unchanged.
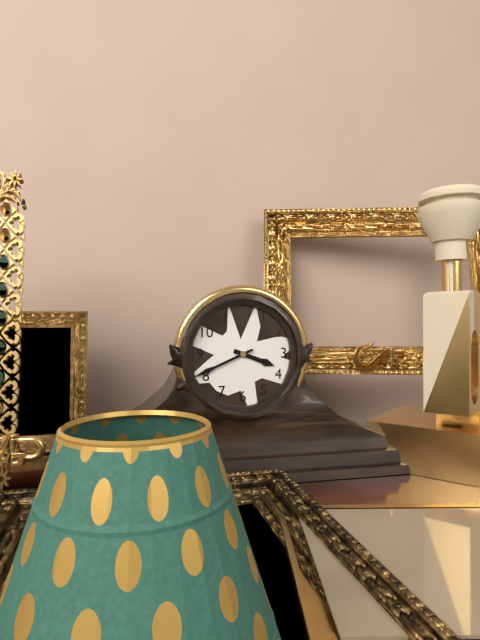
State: 3 h 41 min
